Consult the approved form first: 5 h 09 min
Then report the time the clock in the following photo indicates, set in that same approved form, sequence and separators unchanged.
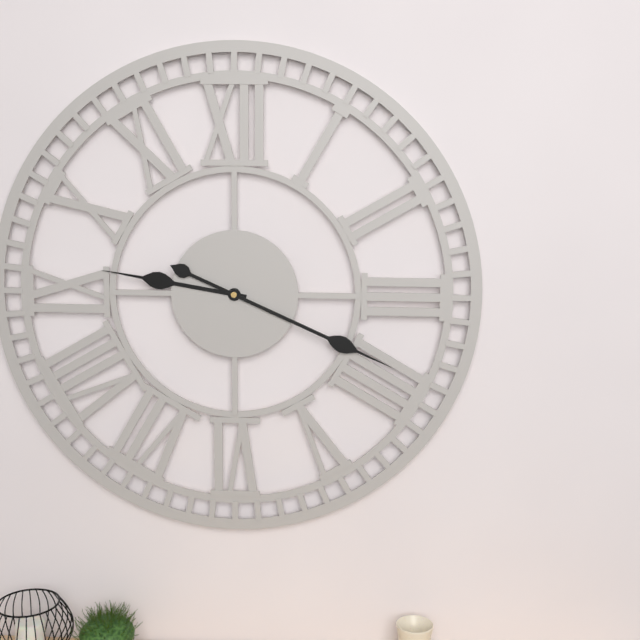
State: 9 h 19 min
